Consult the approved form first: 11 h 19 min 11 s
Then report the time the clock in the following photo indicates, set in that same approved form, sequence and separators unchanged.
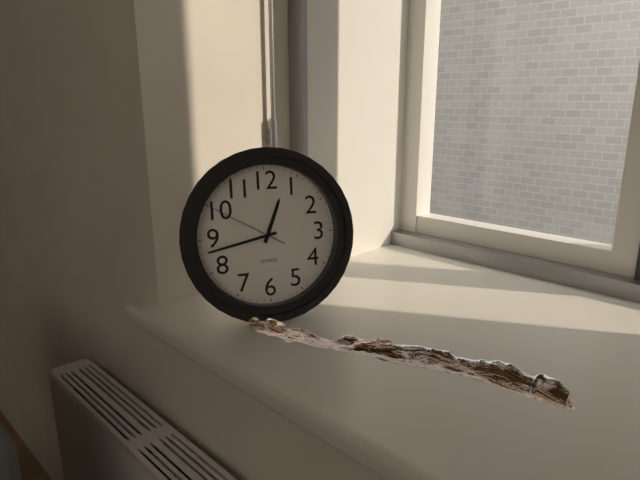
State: 12 h 43 min 50 s
